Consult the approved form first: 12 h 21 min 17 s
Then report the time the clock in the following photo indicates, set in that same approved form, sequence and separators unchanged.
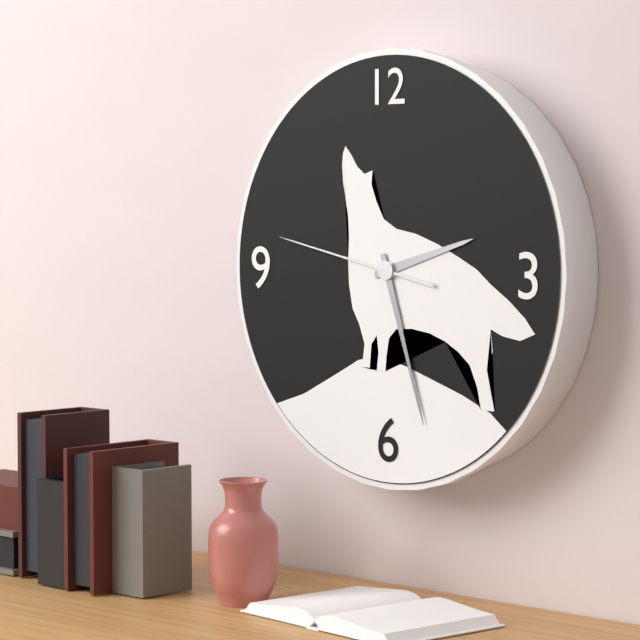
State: 2 h 27 min 47 s
